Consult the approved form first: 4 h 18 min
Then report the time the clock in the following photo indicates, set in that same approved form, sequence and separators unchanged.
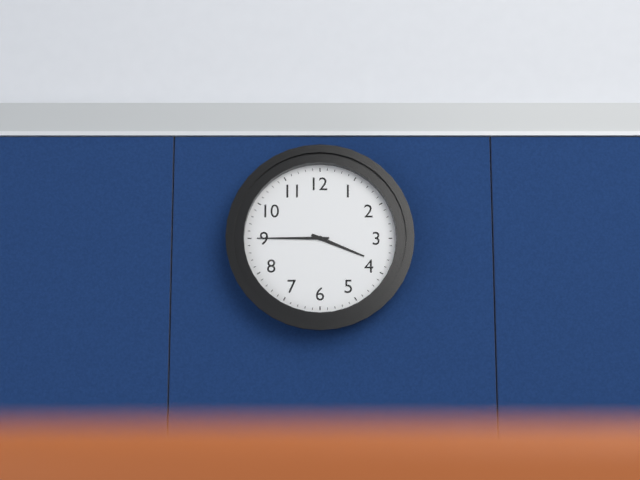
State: 3 h 45 min
